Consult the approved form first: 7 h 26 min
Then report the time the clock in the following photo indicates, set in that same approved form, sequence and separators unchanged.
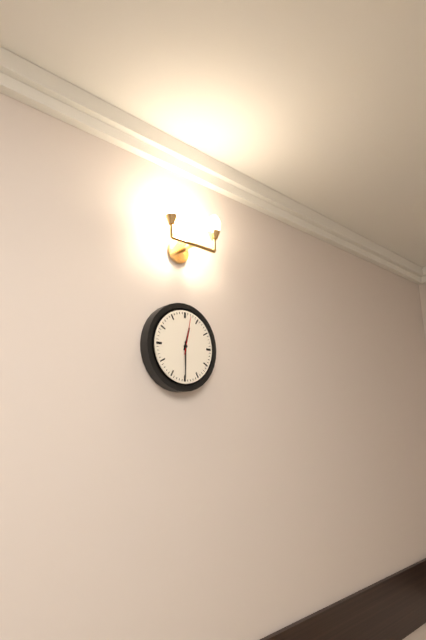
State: 12 h 30 min
